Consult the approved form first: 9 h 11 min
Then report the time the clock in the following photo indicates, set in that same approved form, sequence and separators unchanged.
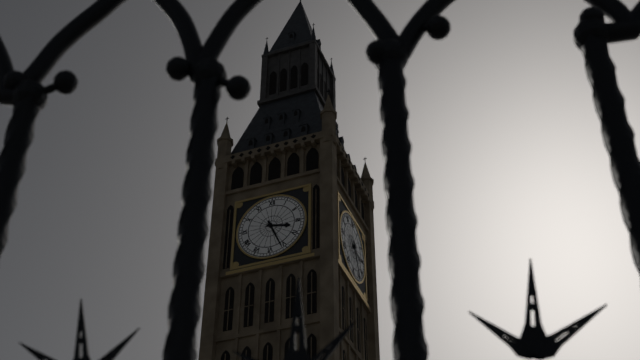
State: 3 h 26 min
